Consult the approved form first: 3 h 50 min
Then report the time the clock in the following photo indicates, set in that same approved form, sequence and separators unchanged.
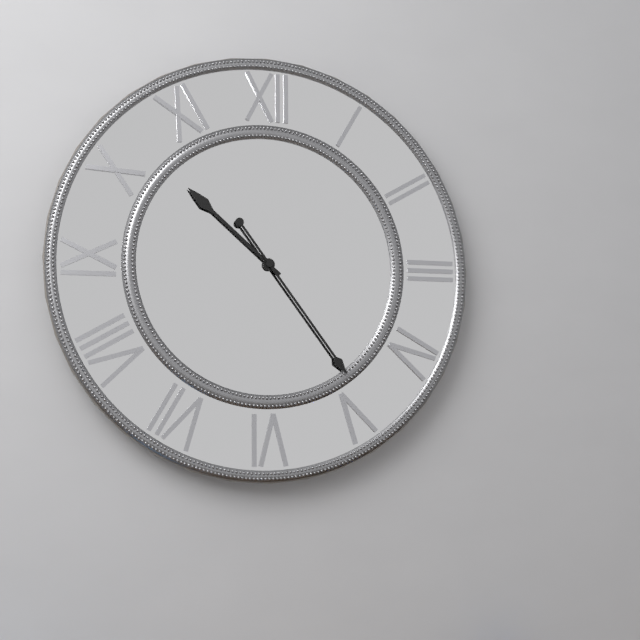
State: 10 h 24 min
